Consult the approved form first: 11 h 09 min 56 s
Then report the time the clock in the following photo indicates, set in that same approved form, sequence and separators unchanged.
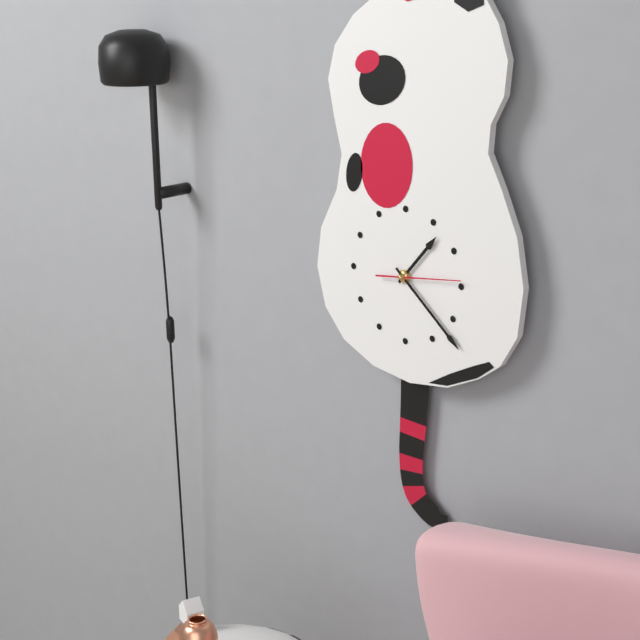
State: 1 h 22 min 14 s
